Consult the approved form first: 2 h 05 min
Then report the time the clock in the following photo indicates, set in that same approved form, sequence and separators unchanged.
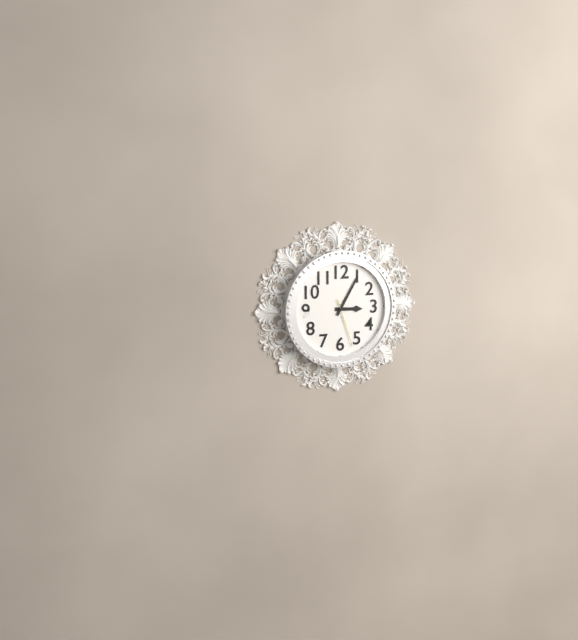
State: 3 h 05 min
